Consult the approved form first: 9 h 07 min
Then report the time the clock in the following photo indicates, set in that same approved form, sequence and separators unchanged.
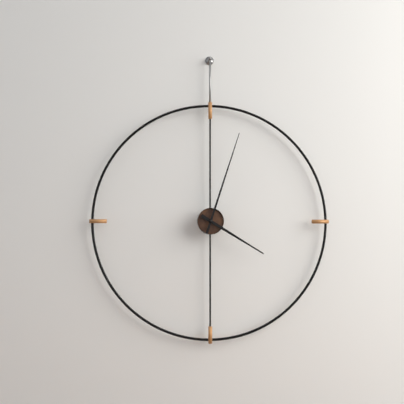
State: 4 h 03 min
